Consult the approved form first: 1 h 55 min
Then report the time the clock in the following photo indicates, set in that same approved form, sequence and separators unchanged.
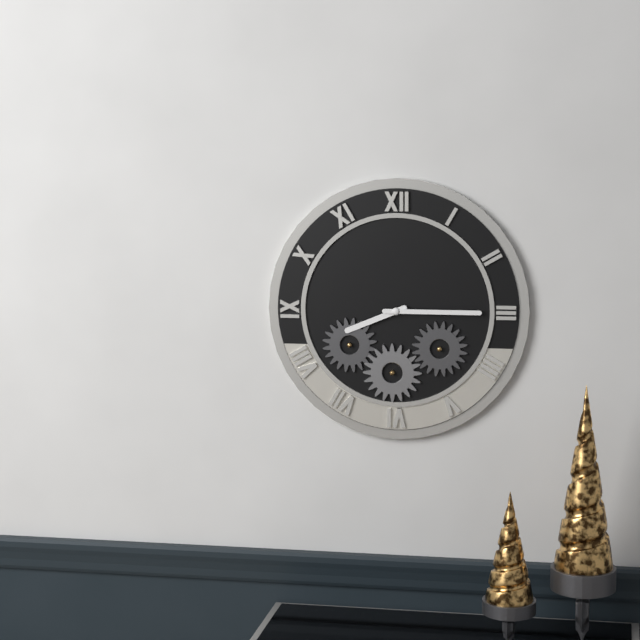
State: 8 h 15 min
